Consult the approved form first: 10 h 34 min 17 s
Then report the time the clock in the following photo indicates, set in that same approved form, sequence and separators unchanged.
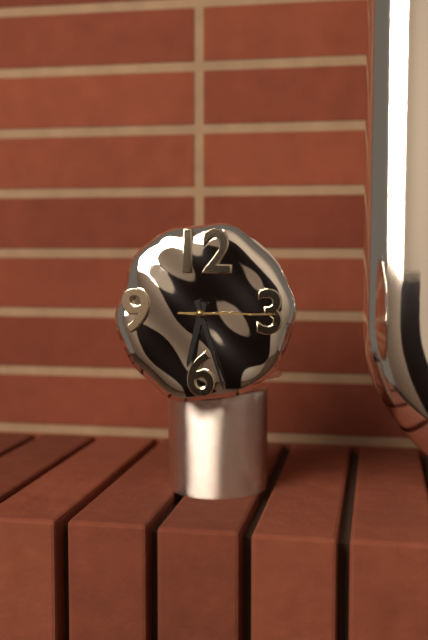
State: 6 h 27 min 15 s
